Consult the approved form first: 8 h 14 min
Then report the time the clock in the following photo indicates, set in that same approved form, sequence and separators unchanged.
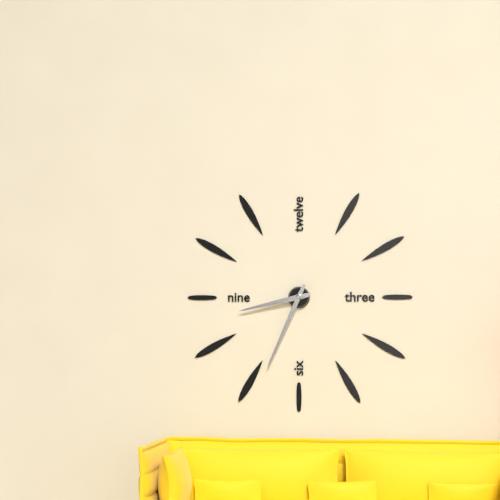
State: 8 h 34 min
